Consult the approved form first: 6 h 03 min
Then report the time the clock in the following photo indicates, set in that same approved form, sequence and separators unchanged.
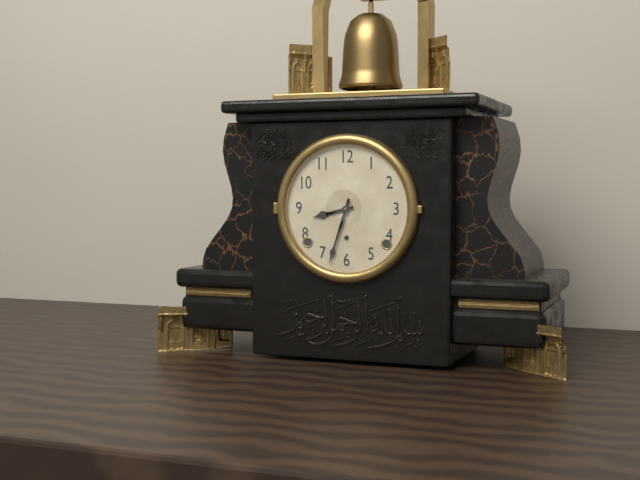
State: 8 h 33 min
